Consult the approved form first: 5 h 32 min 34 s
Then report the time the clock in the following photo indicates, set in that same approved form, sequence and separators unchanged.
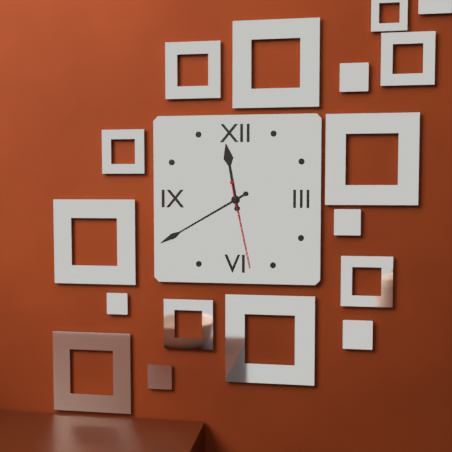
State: 11 h 40 min 28 s
